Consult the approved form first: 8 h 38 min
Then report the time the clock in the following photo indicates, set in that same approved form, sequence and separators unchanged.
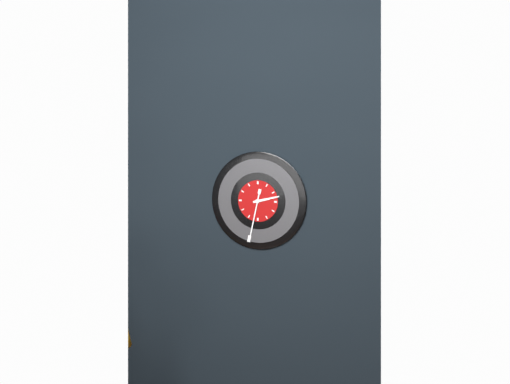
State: 2 h 32 min
